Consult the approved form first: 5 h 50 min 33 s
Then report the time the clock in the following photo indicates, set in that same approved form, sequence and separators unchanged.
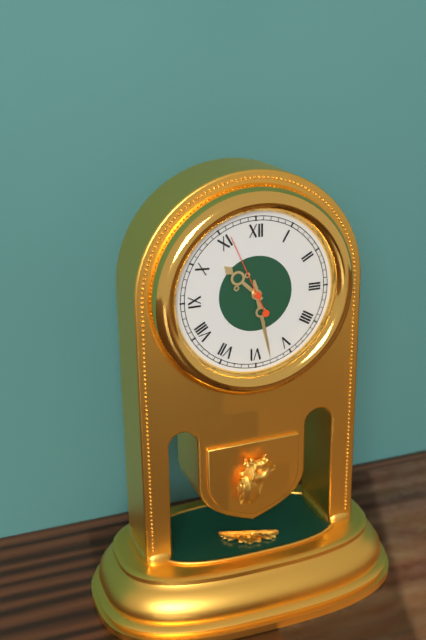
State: 10 h 28 min 56 s
